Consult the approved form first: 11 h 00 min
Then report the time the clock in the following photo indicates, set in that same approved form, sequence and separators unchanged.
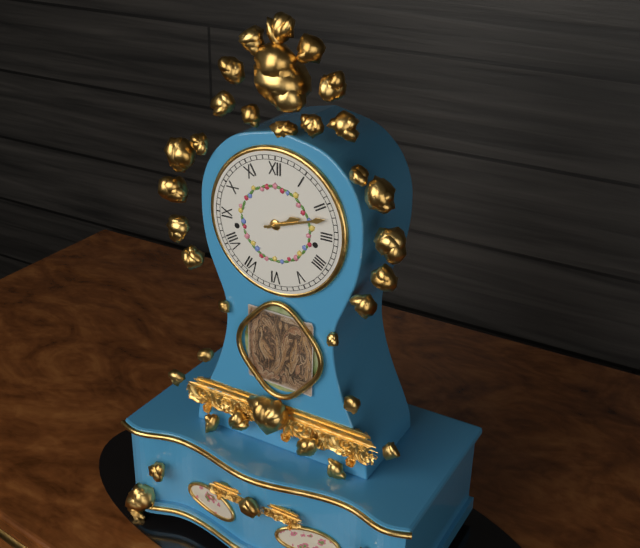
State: 2 h 12 min
